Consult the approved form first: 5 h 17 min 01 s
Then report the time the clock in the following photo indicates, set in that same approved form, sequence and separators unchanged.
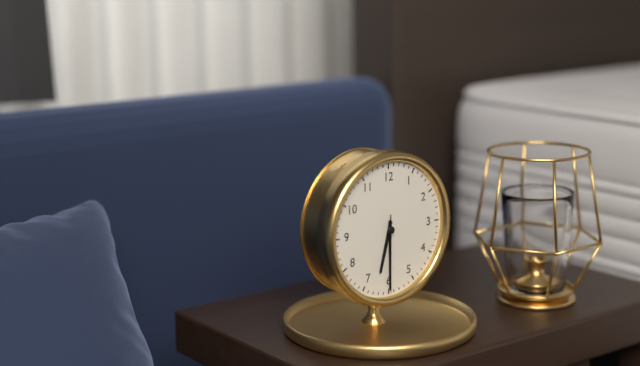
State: 6 h 30 min 30 s
